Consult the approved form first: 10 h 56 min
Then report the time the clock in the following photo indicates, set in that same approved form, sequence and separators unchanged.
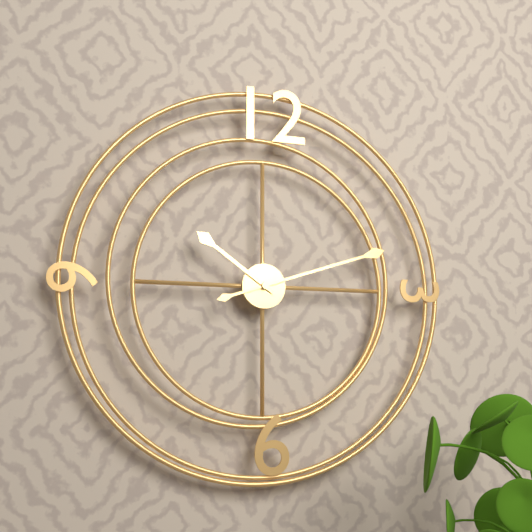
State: 10 h 12 min
